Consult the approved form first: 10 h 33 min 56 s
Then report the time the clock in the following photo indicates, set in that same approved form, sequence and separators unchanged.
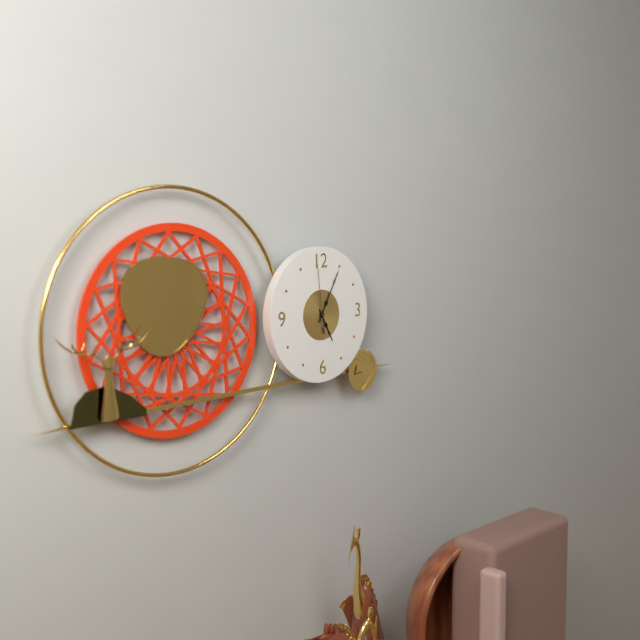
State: 5 h 05 min 59 s
